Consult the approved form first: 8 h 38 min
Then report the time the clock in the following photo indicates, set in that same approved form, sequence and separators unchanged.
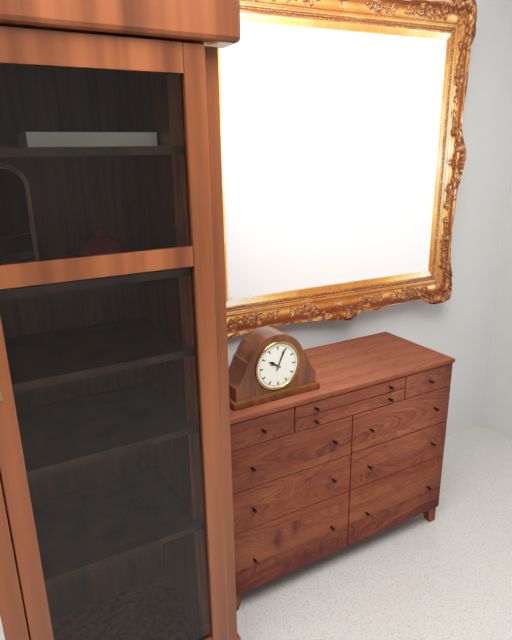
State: 10 h 04 min
